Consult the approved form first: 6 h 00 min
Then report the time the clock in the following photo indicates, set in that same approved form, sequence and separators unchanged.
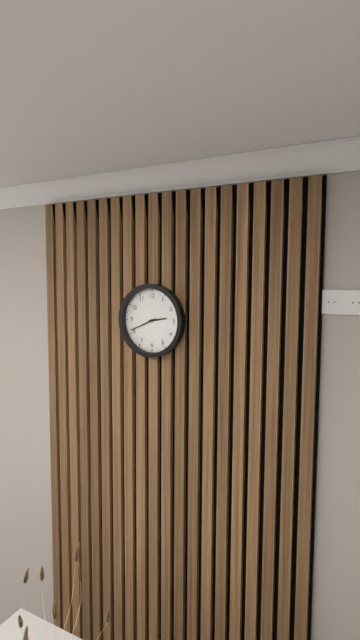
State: 2 h 41 min
